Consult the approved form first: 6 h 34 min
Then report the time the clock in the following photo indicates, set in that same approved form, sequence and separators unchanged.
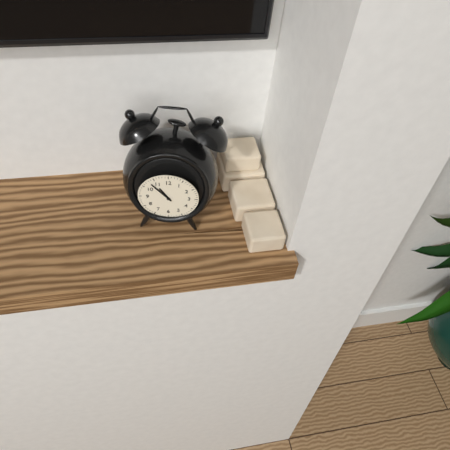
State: 10 h 53 min
